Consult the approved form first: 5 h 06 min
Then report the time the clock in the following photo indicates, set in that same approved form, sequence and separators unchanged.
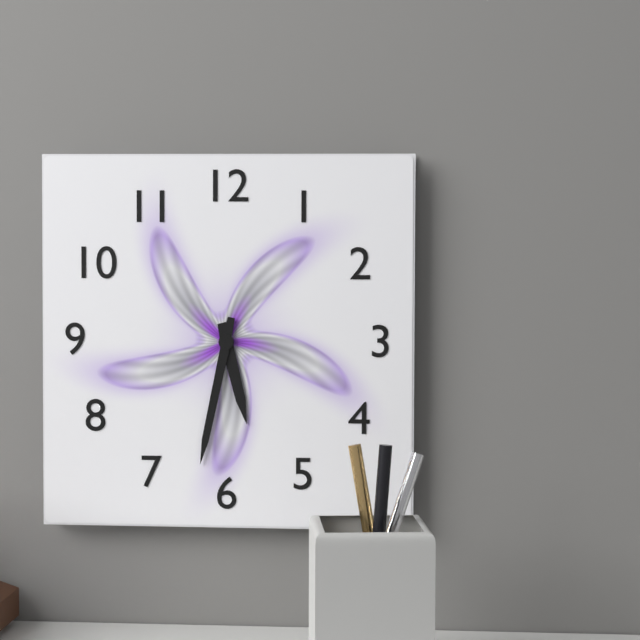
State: 5 h 32 min
